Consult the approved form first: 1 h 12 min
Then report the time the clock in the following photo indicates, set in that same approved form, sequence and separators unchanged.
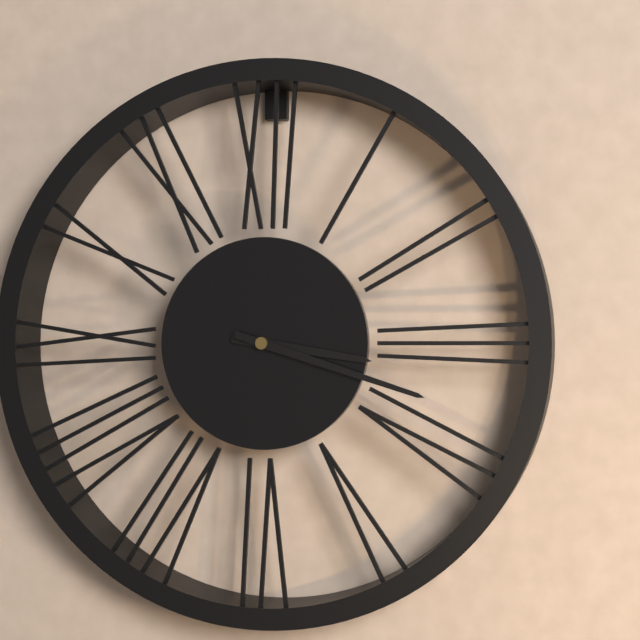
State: 3 h 18 min
